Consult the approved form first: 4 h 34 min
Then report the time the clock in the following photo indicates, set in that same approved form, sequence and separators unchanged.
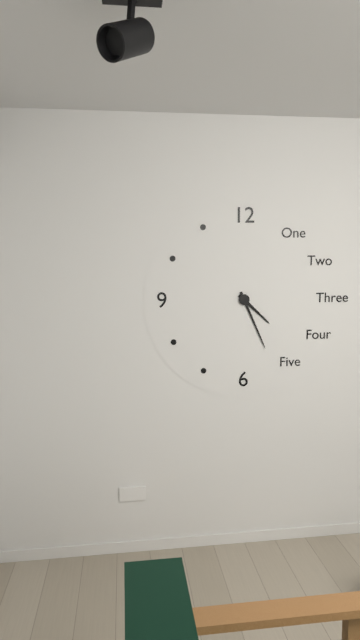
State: 4 h 26 min
